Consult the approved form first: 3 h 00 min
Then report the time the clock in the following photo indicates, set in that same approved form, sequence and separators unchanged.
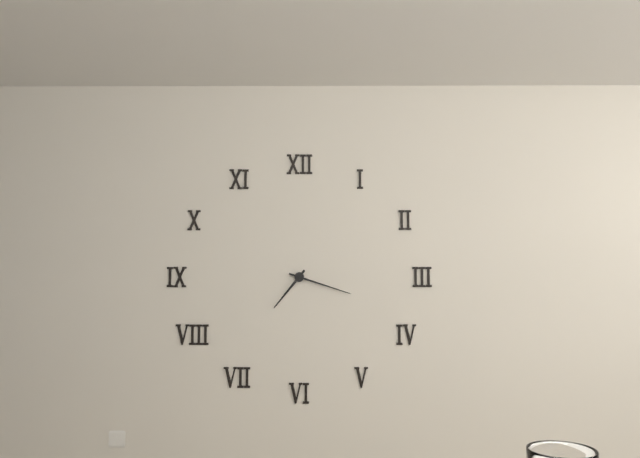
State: 7 h 18 min
